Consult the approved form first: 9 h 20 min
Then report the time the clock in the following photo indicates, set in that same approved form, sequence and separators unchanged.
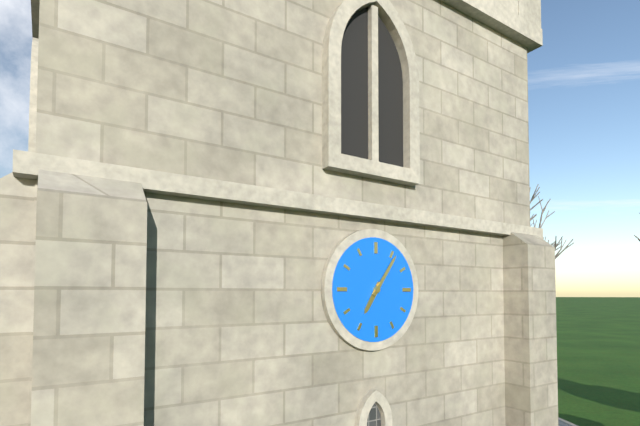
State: 7 h 06 min
